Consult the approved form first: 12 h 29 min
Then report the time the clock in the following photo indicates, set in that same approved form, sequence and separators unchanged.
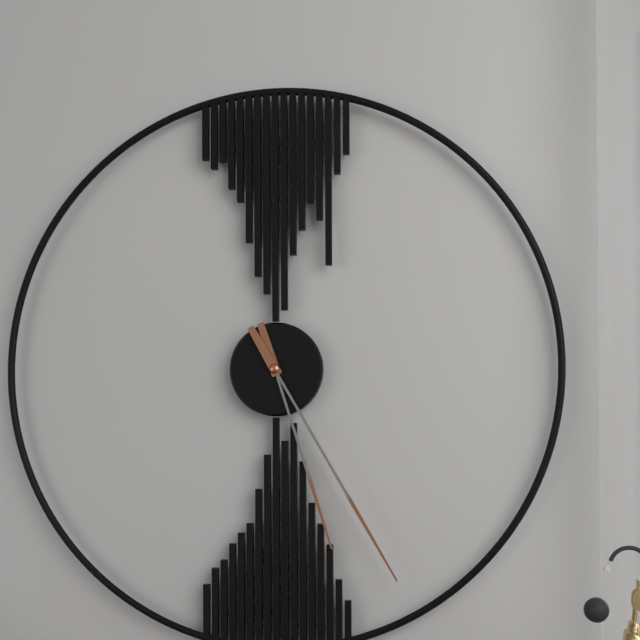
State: 5 h 25 min
